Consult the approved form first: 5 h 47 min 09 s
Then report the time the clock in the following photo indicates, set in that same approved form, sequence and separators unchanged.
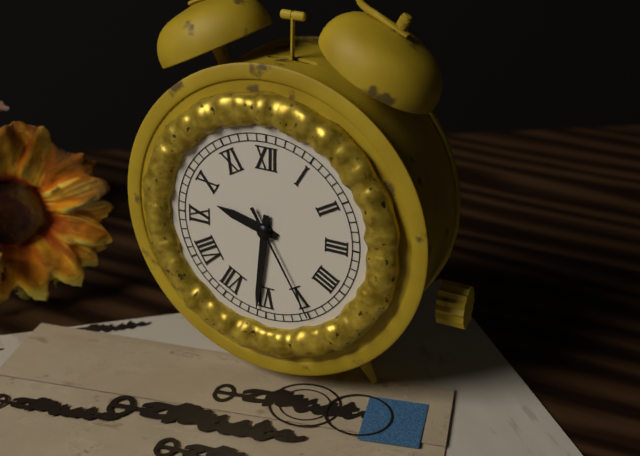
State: 9 h 31 min 25 s
